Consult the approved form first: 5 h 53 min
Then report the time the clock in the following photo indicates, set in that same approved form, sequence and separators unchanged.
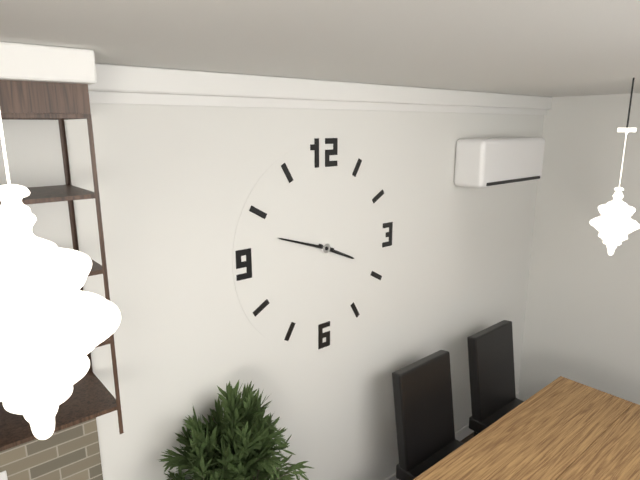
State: 3 h 48 min
